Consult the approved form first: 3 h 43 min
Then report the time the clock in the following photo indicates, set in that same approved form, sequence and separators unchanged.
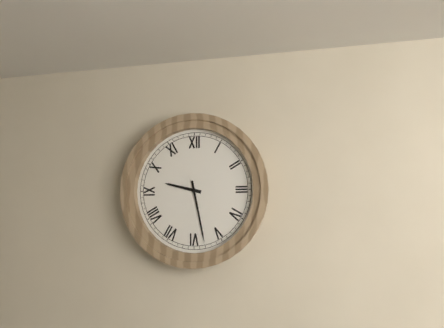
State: 9 h 28 min
